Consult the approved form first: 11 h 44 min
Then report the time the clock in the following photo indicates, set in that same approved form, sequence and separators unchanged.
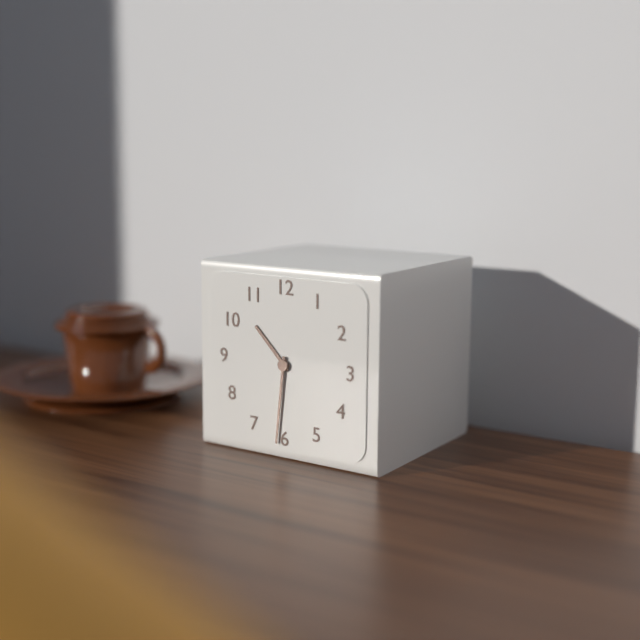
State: 10 h 31 min
